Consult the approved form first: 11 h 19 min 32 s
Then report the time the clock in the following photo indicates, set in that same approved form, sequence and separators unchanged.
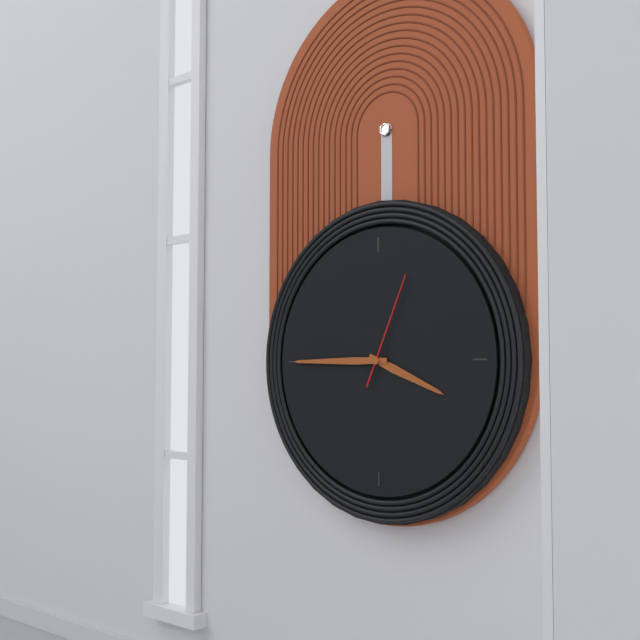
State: 3 h 45 min 04 s
